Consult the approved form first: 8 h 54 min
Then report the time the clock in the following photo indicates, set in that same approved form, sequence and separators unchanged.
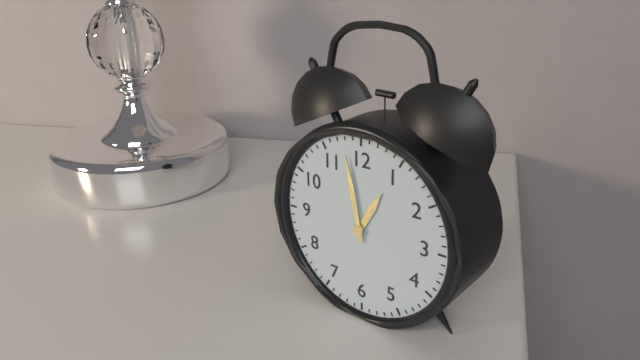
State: 12 h 58 min
